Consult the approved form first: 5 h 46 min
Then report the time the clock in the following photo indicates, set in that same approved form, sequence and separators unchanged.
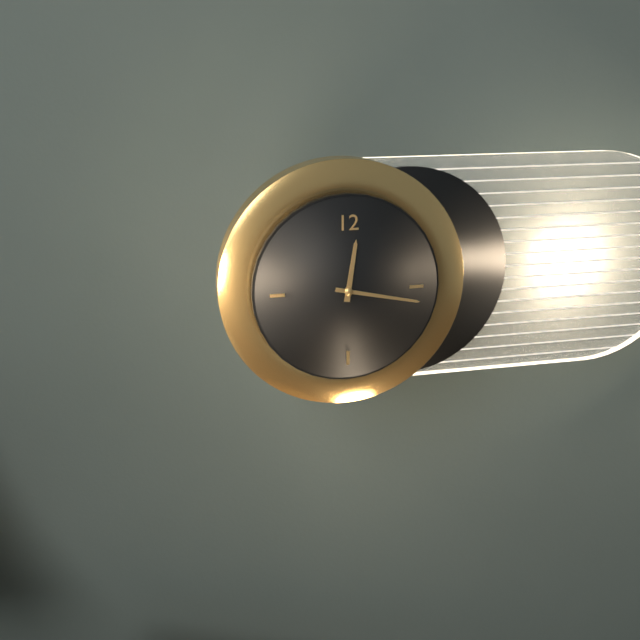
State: 12 h 17 min
